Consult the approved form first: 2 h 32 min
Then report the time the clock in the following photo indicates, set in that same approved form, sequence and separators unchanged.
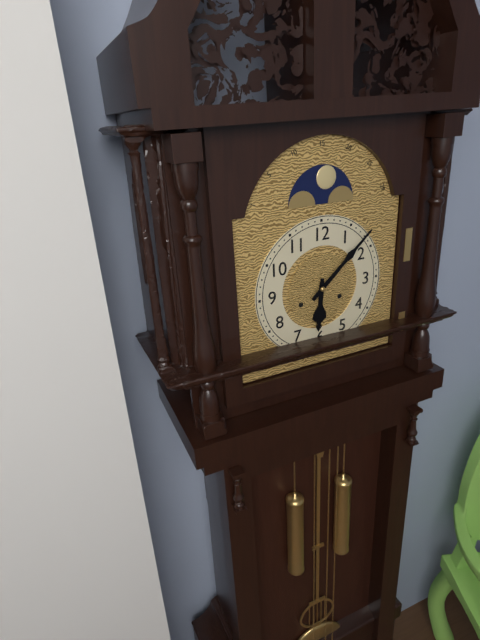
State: 6 h 08 min
